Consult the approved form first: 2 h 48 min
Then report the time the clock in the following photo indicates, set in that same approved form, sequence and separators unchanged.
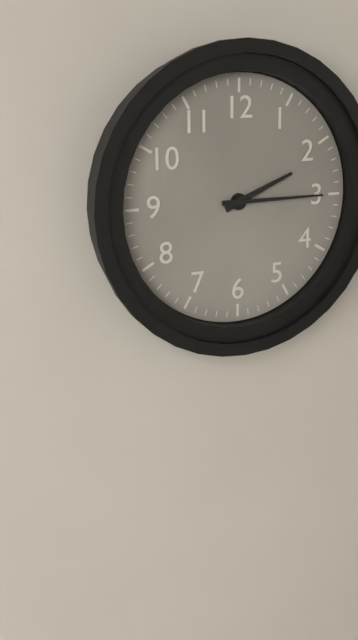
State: 2 h 15 min
